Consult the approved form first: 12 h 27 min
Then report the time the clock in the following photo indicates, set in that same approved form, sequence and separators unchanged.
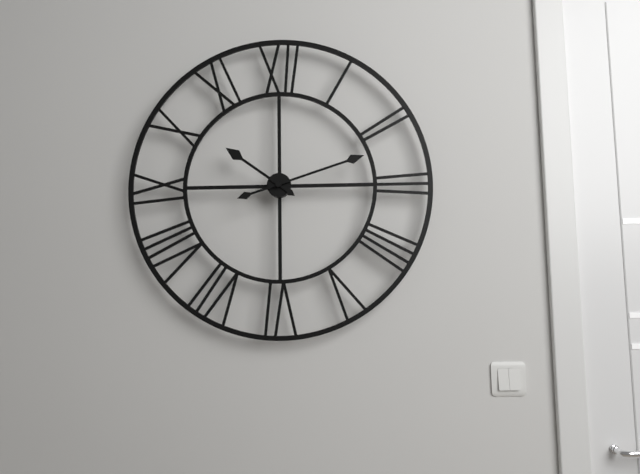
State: 10 h 12 min
